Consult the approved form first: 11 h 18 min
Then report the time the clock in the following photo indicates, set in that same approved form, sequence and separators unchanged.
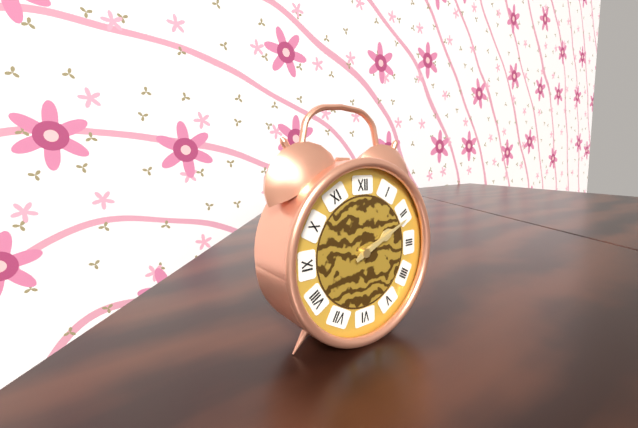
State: 2 h 11 min
